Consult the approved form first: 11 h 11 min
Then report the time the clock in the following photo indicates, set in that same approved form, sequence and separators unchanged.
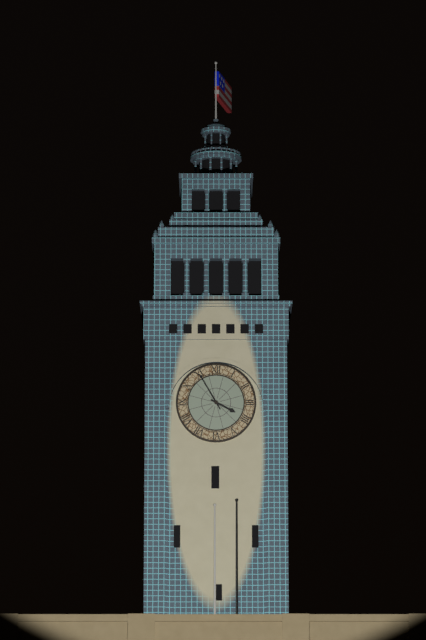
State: 3 h 55 min
